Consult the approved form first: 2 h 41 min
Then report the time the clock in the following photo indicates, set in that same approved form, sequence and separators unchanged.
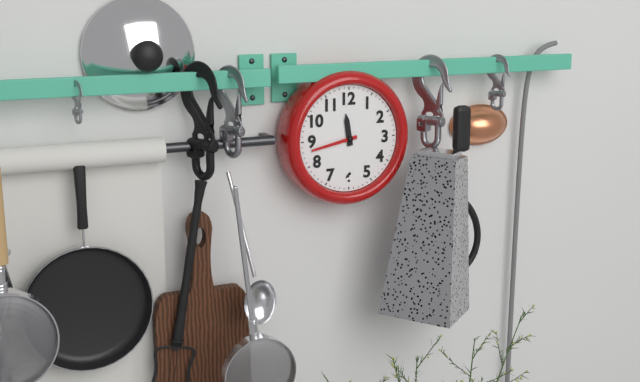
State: 11 h 43 min
